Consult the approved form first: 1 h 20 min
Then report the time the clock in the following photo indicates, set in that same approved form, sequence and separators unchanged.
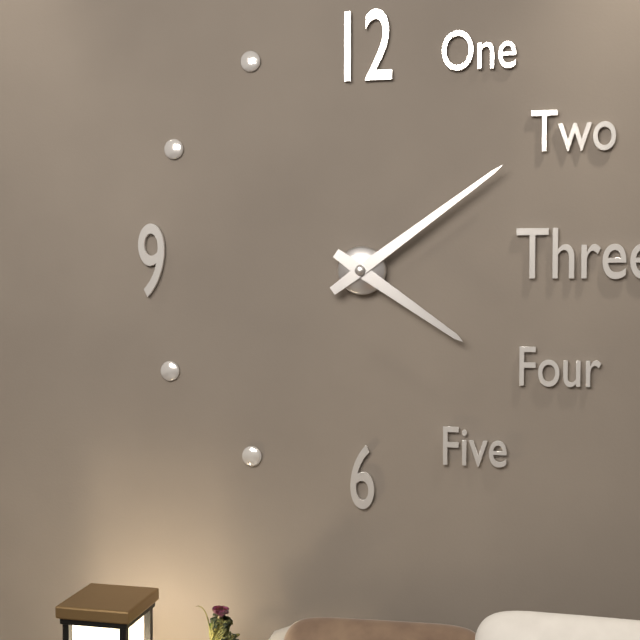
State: 4 h 09 min
